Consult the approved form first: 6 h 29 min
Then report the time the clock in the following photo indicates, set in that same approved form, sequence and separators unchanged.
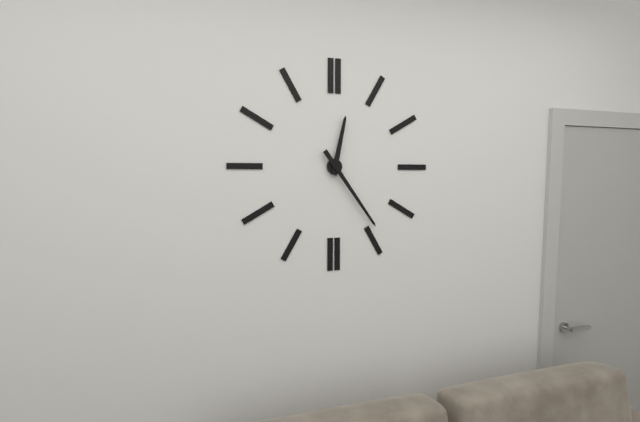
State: 12 h 24 min
